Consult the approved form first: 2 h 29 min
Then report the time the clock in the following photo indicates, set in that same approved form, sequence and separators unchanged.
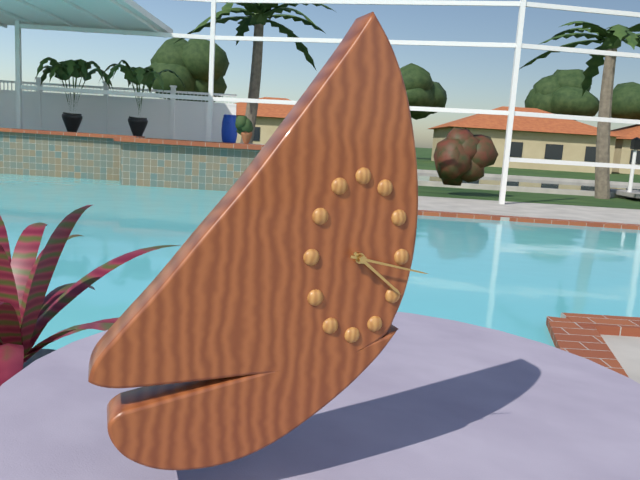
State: 4 h 17 min
